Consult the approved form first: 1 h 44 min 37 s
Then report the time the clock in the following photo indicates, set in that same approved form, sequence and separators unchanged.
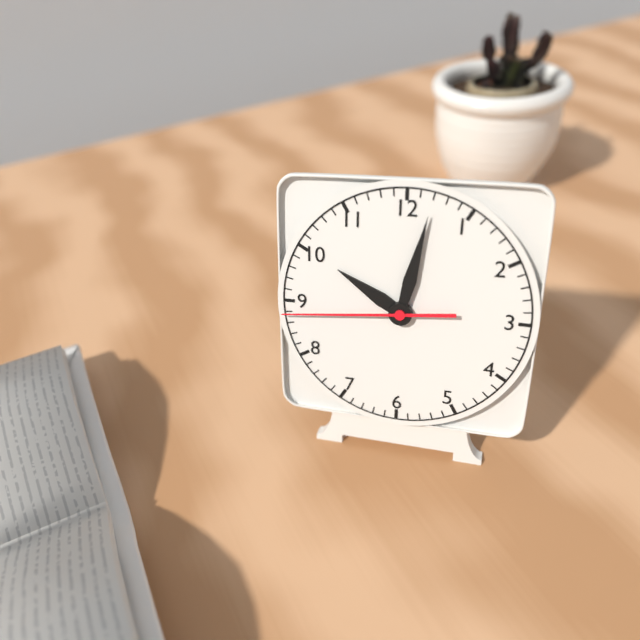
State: 10 h 02 min 44 s
